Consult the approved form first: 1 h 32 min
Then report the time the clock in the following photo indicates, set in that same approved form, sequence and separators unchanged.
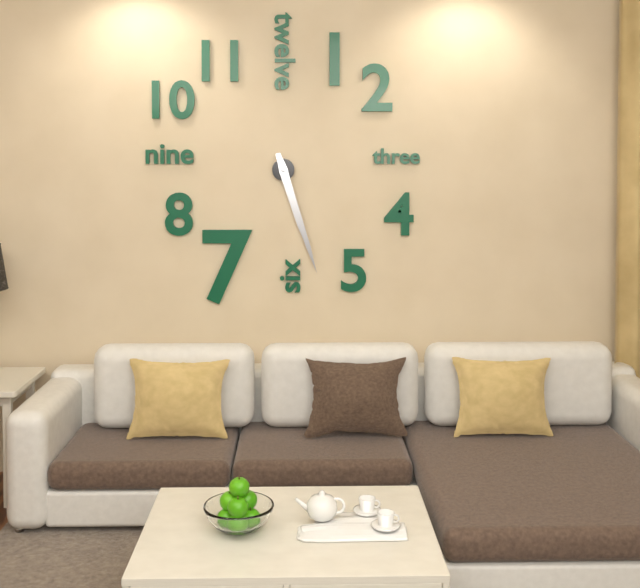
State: 5 h 27 min
